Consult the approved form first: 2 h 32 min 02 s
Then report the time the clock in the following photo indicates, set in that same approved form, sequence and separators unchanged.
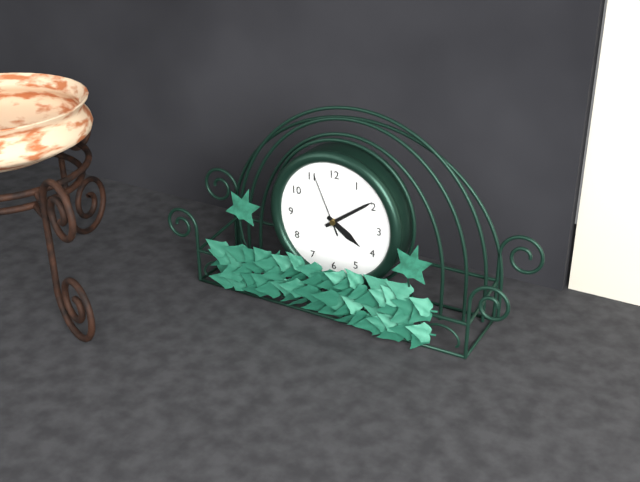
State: 4 h 09 min 56 s
